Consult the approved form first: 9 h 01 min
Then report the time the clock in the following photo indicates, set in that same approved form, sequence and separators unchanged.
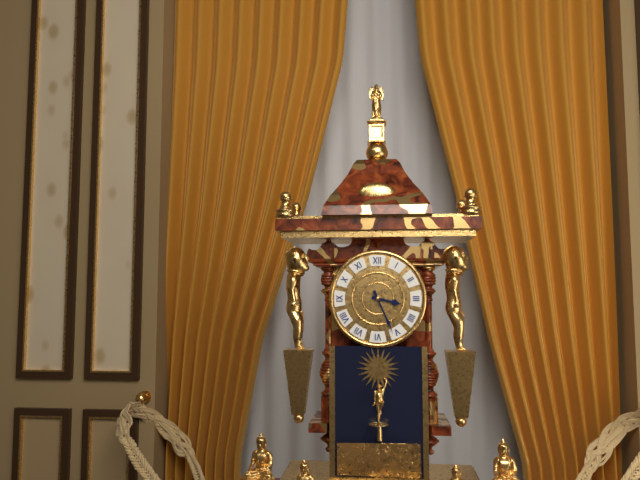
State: 3 h 26 min
